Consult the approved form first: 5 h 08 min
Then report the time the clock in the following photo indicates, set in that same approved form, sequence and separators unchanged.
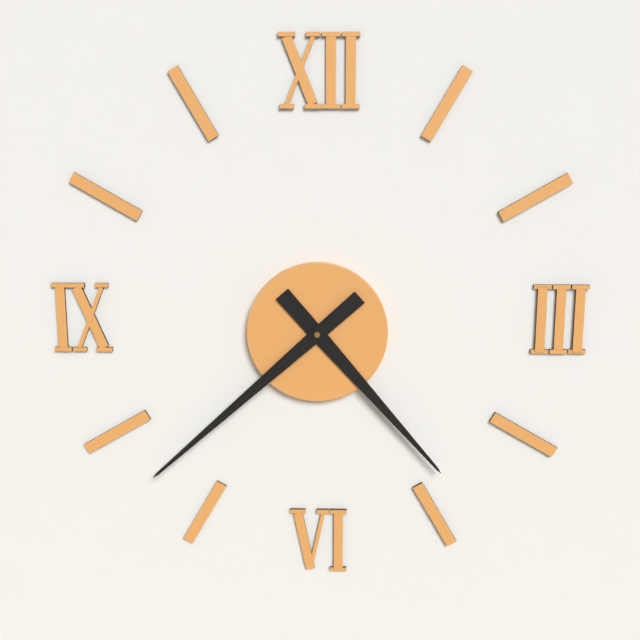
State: 4 h 38 min
